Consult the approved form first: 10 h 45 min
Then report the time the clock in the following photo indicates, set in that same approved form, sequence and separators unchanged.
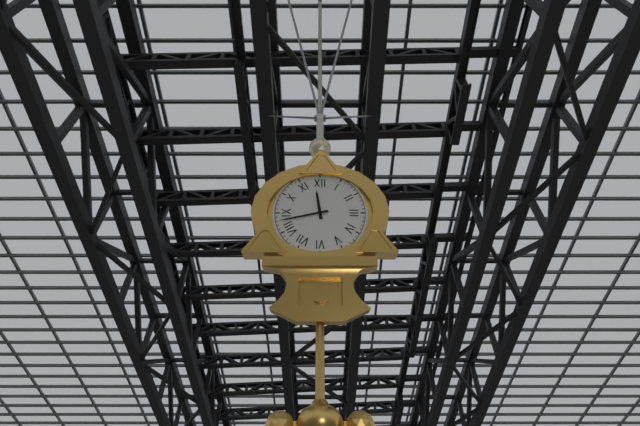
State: 11 h 43 min
